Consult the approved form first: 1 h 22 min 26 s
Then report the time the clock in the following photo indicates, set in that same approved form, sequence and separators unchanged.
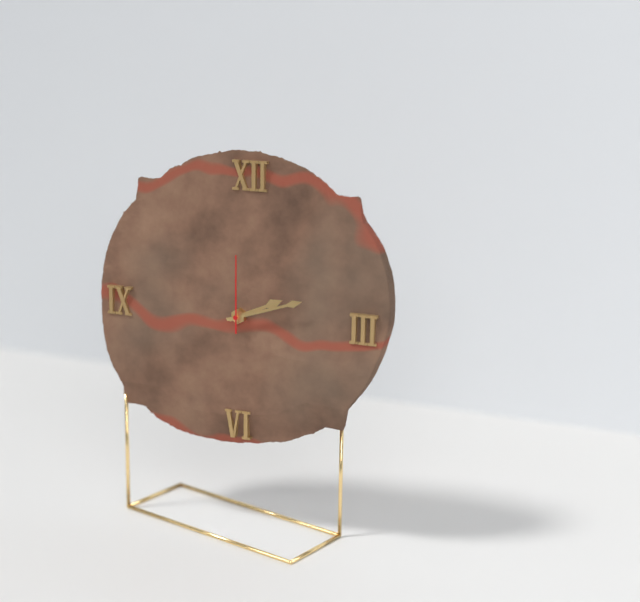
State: 2 h 12 min 00 s
